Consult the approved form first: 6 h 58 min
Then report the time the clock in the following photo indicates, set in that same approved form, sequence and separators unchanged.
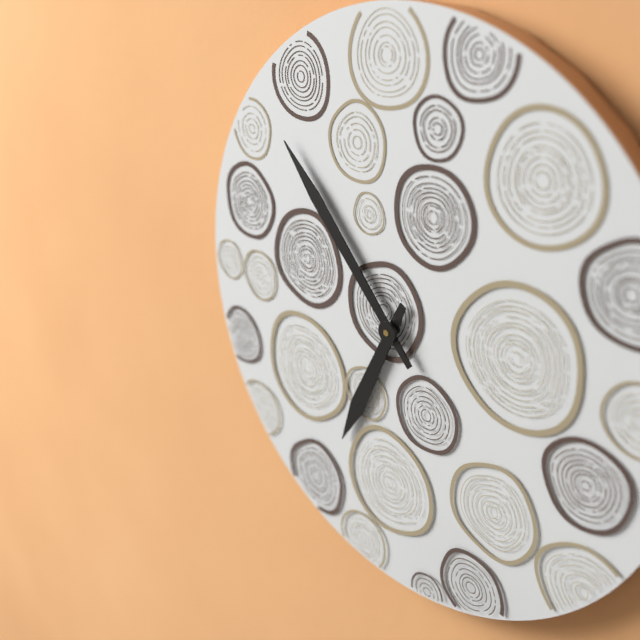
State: 6 h 53 min
